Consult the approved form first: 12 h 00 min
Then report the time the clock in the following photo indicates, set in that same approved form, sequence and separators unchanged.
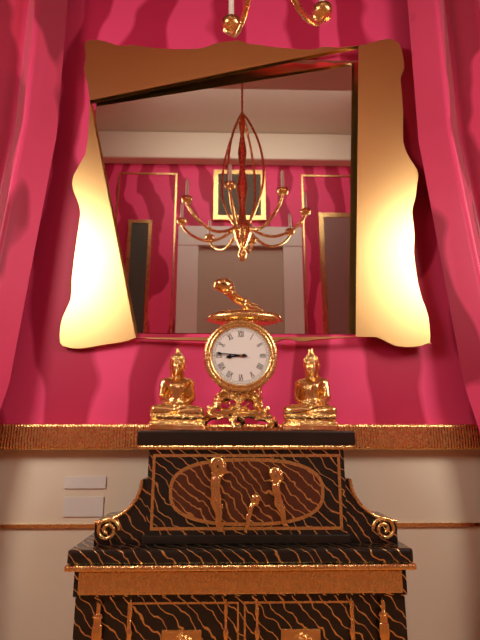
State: 8 h 46 min
